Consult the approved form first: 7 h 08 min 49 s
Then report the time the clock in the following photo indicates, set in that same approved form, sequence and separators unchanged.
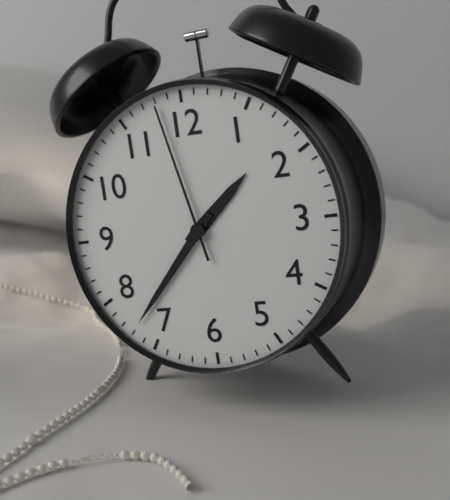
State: 1 h 37 min 58 s
